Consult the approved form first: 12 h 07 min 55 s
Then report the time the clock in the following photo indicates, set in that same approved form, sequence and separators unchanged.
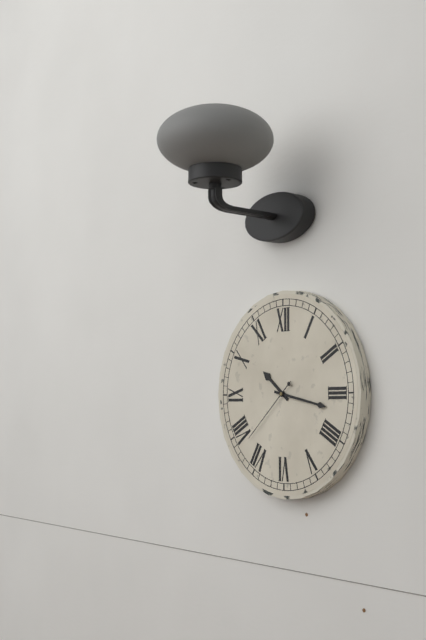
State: 10 h 17 min 38 s
